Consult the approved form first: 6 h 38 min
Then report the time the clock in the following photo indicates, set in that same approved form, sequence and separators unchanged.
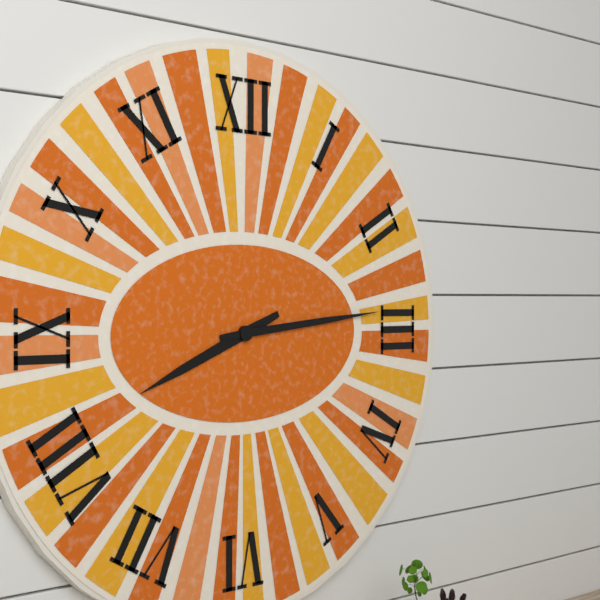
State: 8 h 14 min
